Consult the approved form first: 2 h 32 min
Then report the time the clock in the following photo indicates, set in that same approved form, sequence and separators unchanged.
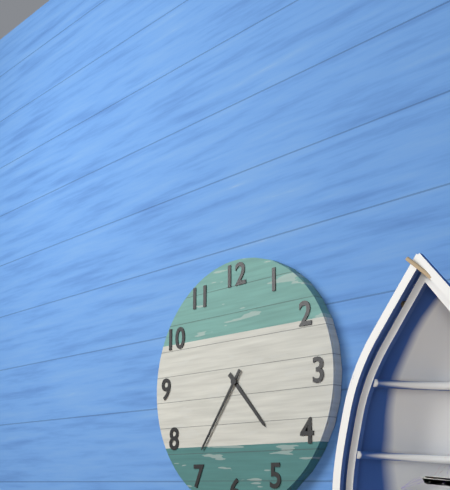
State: 4 h 36 min
